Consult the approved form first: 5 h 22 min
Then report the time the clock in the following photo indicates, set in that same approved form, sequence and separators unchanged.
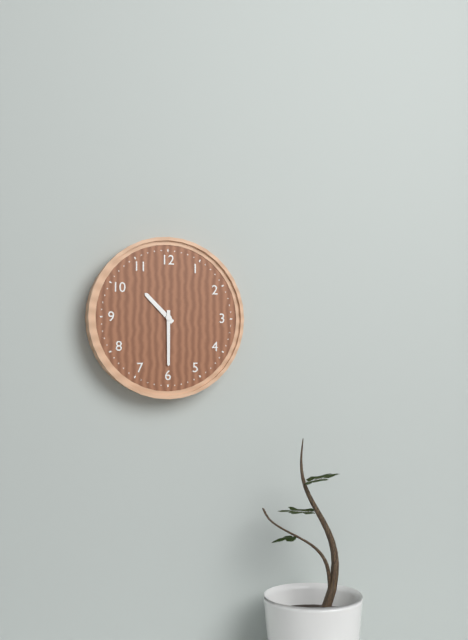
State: 10 h 30 min
